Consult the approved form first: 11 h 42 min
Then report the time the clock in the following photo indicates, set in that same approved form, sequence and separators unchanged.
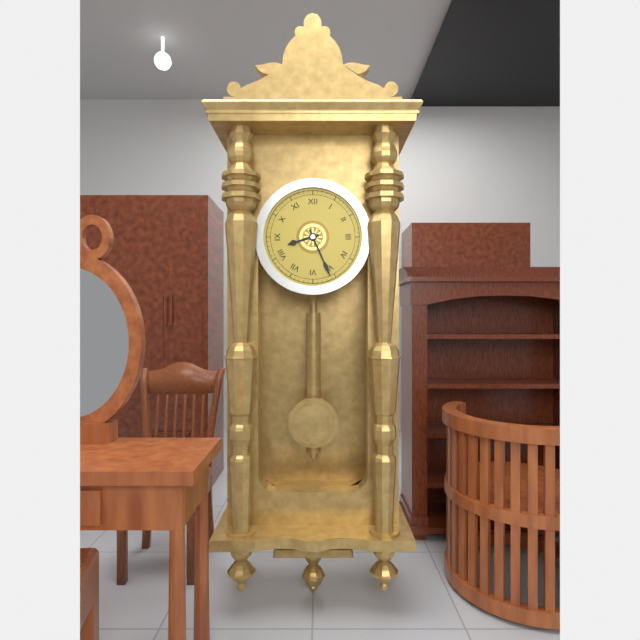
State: 8 h 26 min
